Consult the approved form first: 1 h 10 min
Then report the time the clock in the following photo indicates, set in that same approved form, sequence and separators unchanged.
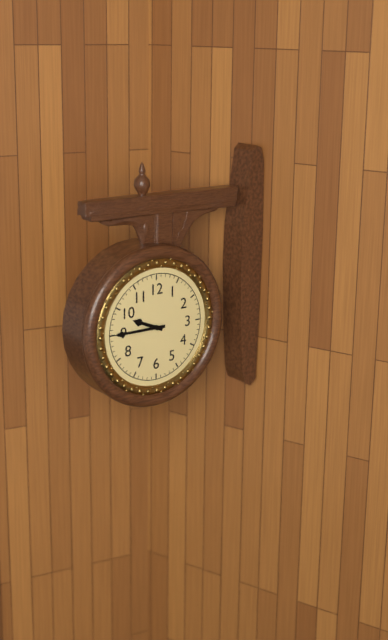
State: 9 h 45 min
